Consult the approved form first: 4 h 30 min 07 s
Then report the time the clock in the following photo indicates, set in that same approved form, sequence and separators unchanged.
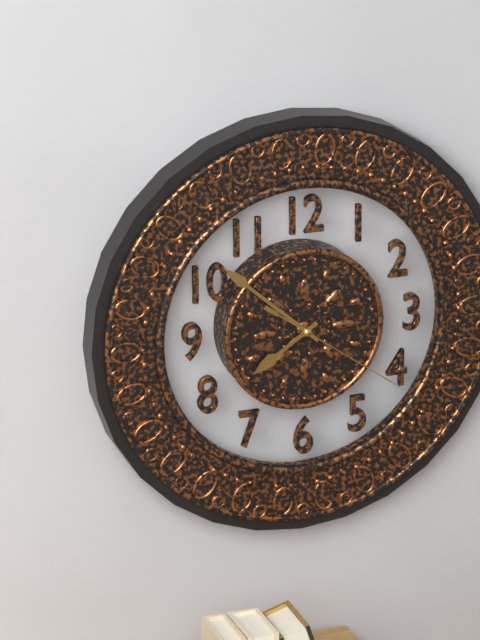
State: 7 h 52 min 21 s
